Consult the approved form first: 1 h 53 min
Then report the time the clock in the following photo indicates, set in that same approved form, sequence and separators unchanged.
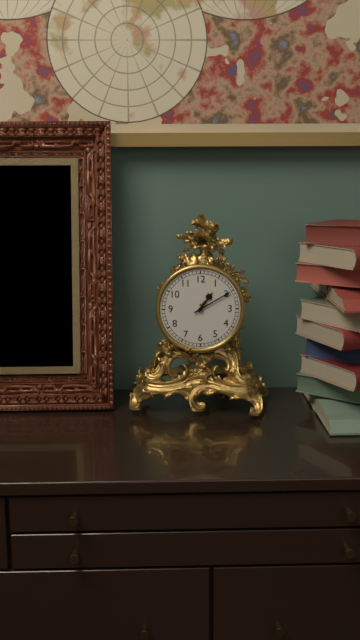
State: 1 h 10 min
